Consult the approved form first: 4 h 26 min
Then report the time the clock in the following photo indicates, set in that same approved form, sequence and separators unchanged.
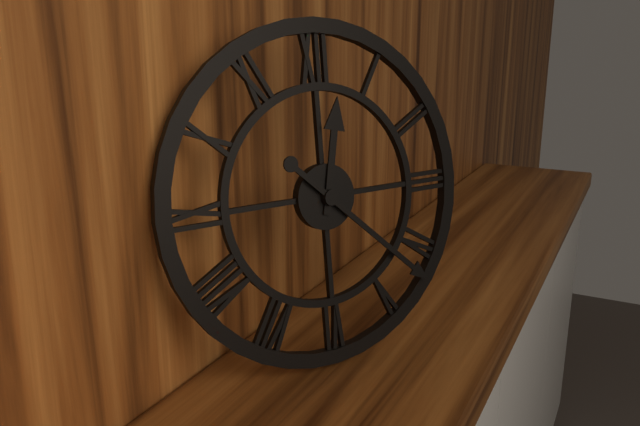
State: 12 h 22 min
